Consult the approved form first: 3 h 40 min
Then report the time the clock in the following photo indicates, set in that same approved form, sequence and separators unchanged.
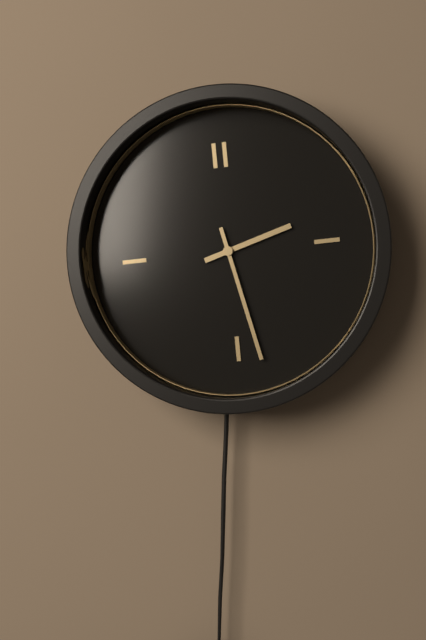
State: 2 h 28 min
